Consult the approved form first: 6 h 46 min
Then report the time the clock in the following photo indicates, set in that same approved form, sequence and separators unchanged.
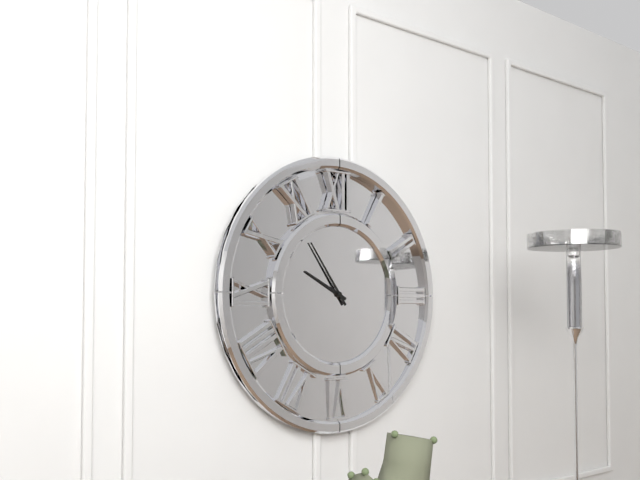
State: 9 h 54 min
